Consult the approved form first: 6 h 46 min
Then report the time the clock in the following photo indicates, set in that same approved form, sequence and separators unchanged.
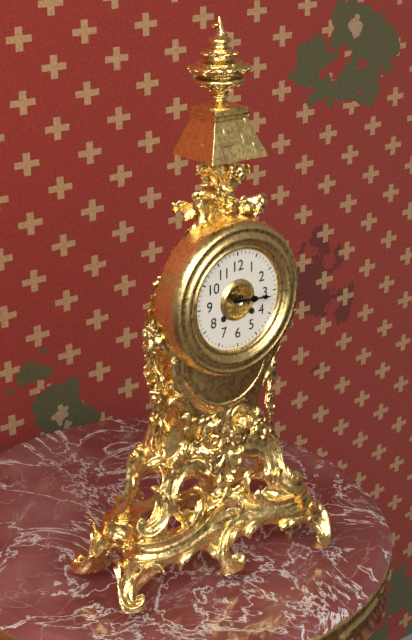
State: 3 h 16 min
